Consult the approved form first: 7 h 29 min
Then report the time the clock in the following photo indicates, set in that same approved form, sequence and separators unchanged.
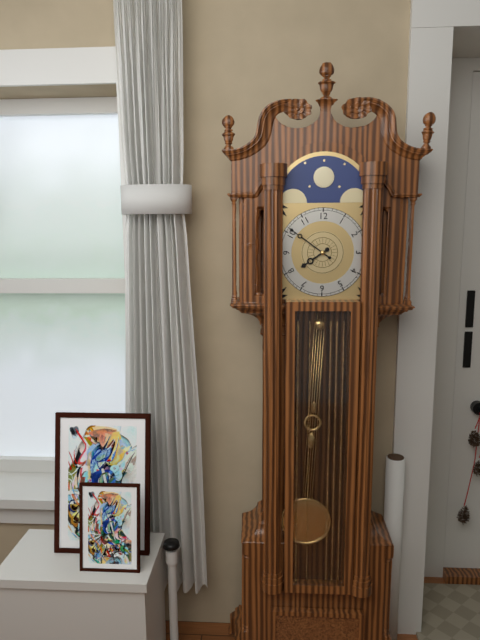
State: 7 h 51 min
